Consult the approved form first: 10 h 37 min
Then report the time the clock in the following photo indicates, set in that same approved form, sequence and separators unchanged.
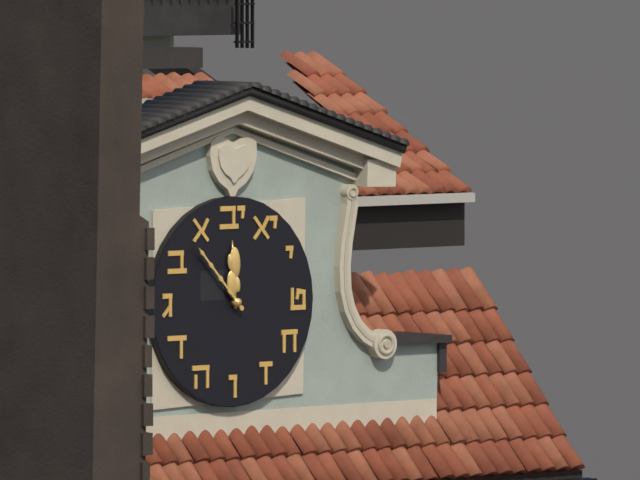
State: 11 h 53 min
